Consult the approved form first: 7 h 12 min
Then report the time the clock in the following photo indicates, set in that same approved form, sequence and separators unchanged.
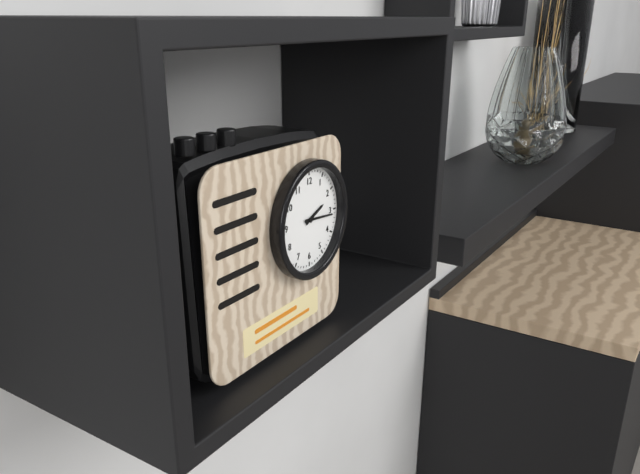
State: 2 h 16 min
